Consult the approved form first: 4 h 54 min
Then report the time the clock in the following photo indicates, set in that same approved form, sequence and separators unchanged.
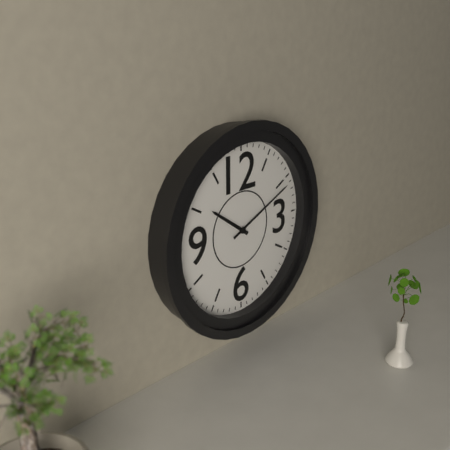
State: 10 h 11 min
